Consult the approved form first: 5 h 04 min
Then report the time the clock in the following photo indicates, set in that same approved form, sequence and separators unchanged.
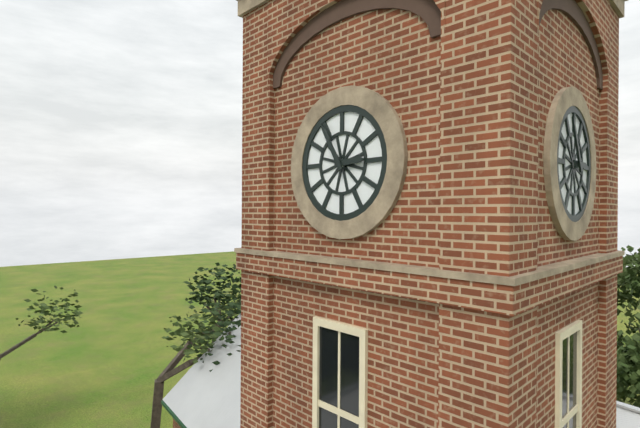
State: 2 h 55 min
